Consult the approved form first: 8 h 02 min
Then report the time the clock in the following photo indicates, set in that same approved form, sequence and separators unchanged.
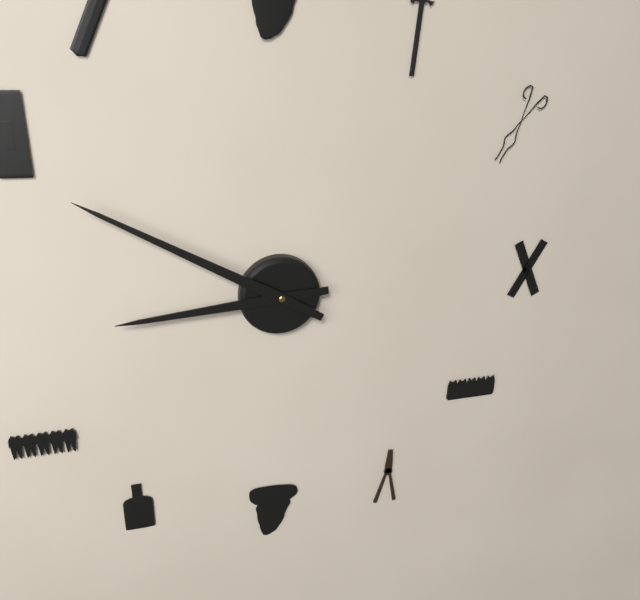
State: 8 h 50 min
